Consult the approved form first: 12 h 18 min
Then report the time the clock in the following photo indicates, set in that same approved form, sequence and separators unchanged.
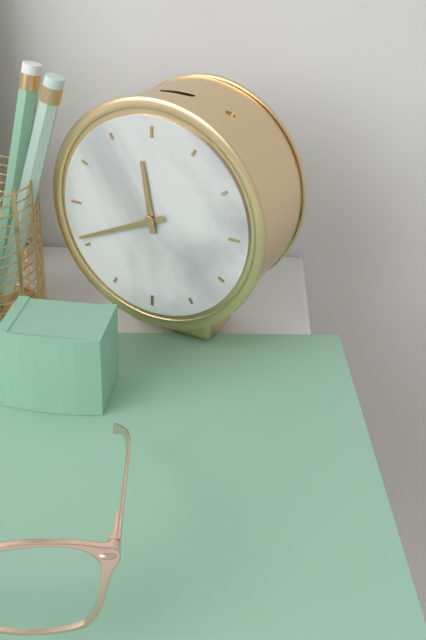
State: 11 h 41 min
